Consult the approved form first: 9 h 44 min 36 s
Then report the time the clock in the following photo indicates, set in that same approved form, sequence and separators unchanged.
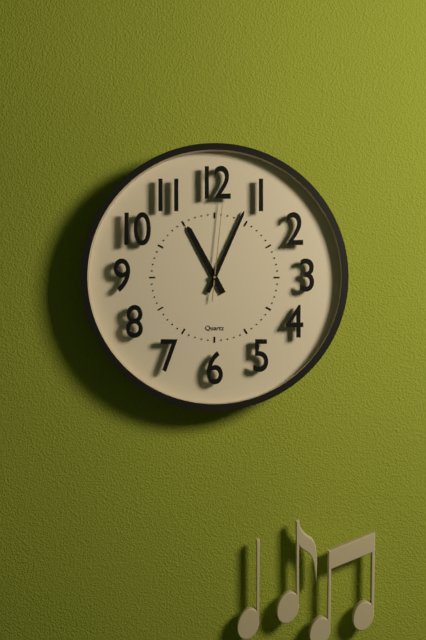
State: 11 h 04 min 01 s
